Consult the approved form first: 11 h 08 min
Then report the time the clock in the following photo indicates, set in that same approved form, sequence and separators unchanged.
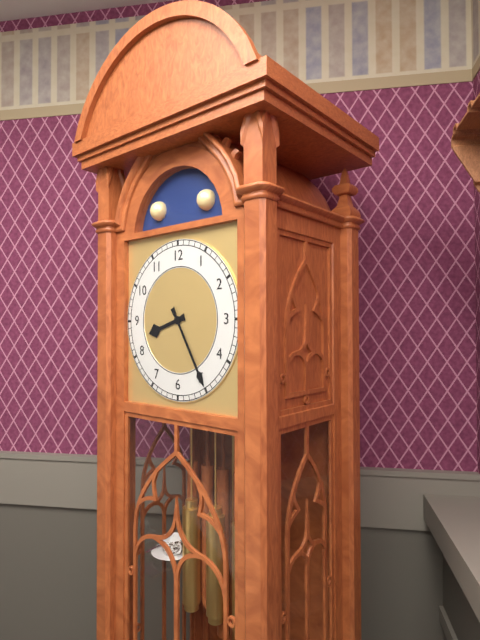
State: 8 h 25 min
